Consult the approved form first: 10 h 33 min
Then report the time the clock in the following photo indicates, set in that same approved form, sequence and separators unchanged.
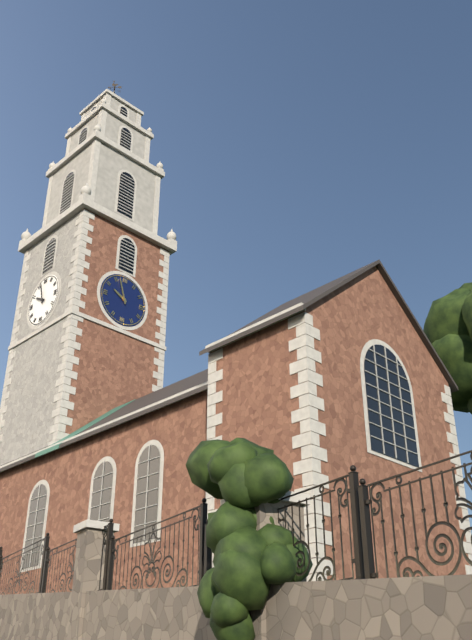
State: 9 h 57 min
